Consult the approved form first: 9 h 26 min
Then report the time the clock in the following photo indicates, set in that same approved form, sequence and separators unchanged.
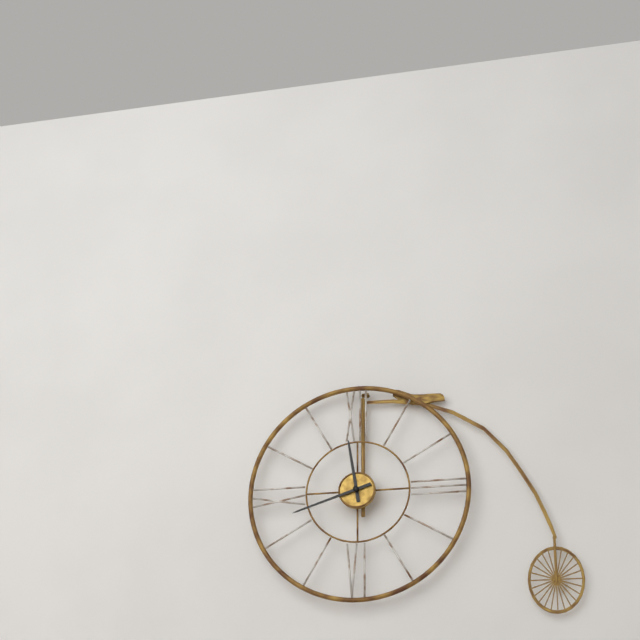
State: 11 h 42 min
